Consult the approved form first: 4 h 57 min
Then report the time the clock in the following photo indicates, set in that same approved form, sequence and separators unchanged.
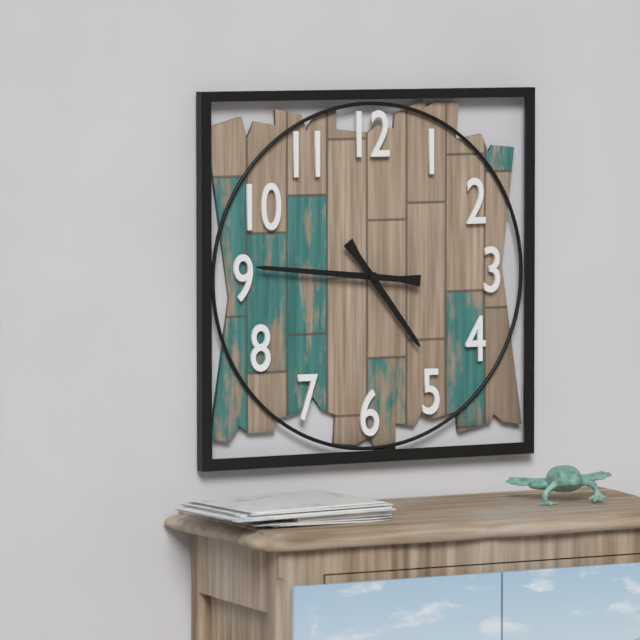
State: 4 h 46 min
